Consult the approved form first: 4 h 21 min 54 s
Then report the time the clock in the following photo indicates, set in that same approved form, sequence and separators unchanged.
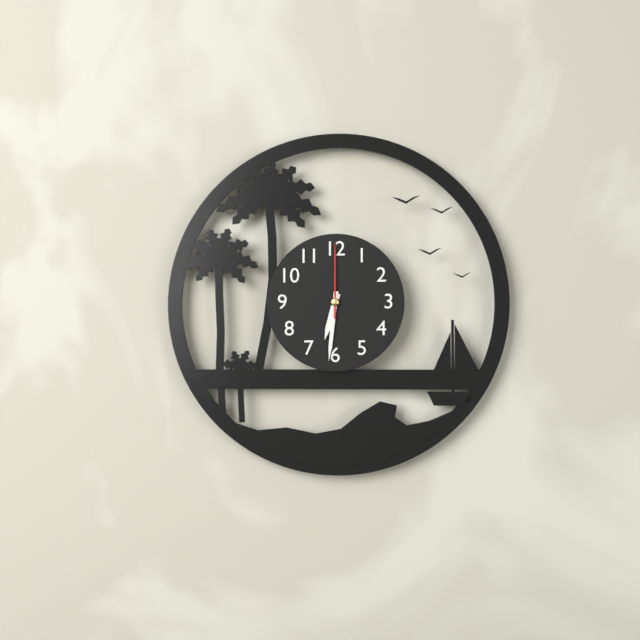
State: 6 h 31 min 00 s
